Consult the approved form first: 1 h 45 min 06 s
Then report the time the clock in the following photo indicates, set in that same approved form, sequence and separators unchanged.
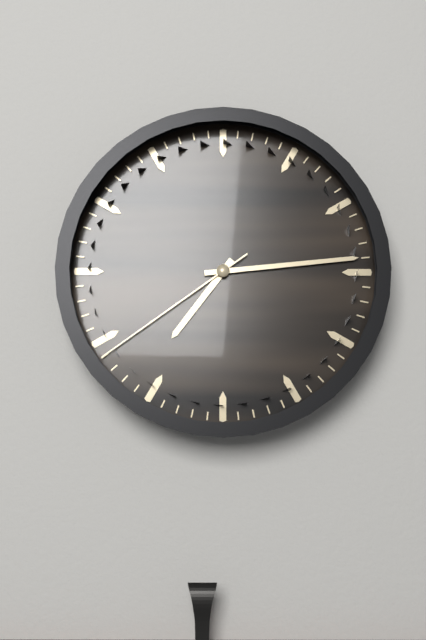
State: 7 h 14 min 39 s
